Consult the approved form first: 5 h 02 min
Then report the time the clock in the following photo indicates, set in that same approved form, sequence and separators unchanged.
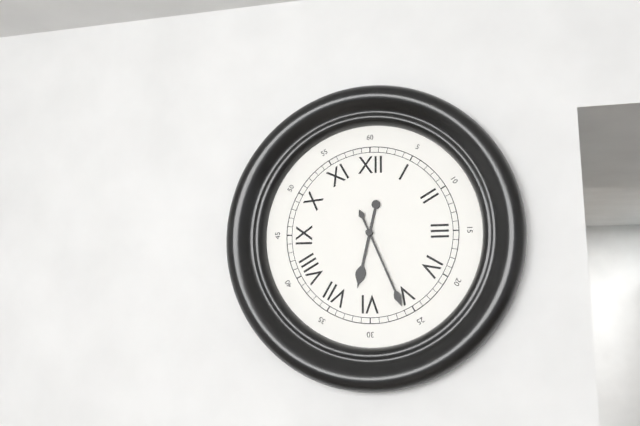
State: 6 h 26 min
